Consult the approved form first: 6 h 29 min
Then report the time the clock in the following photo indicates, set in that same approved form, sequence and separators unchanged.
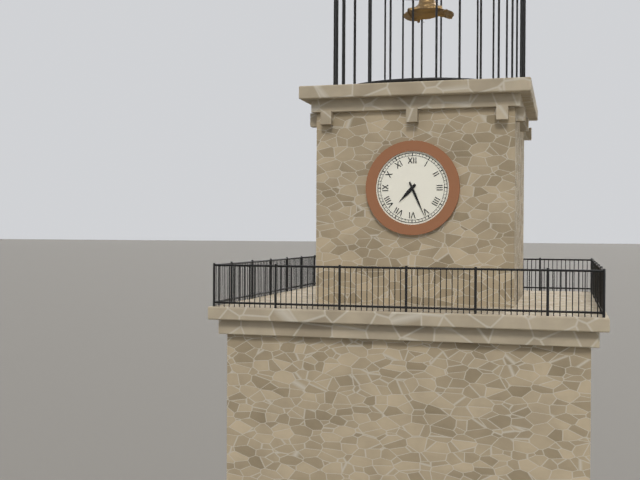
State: 7 h 26 min
